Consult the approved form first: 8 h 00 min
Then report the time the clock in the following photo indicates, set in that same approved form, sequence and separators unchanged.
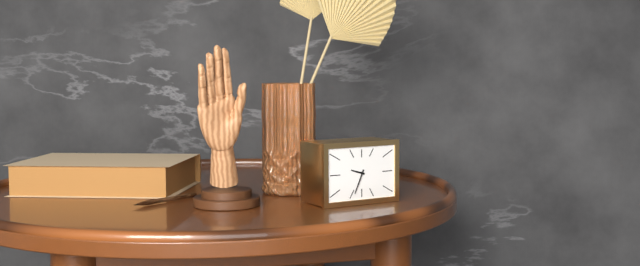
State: 9 h 34 min
